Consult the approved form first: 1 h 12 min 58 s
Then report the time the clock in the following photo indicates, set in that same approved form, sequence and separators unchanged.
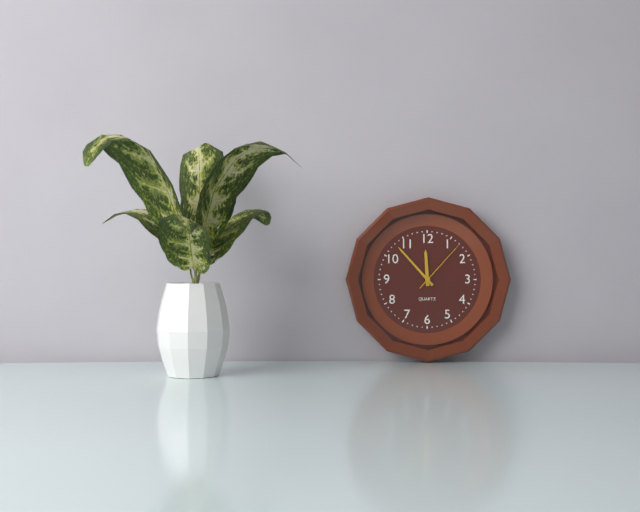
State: 11 h 53 min 07 s
